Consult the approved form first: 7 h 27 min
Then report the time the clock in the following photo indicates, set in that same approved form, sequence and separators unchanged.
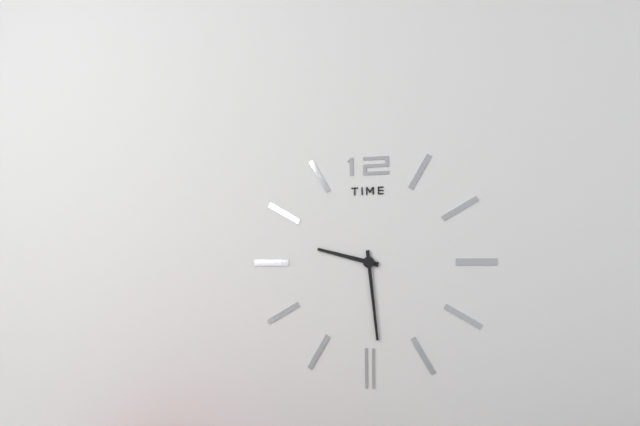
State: 9 h 29 min
